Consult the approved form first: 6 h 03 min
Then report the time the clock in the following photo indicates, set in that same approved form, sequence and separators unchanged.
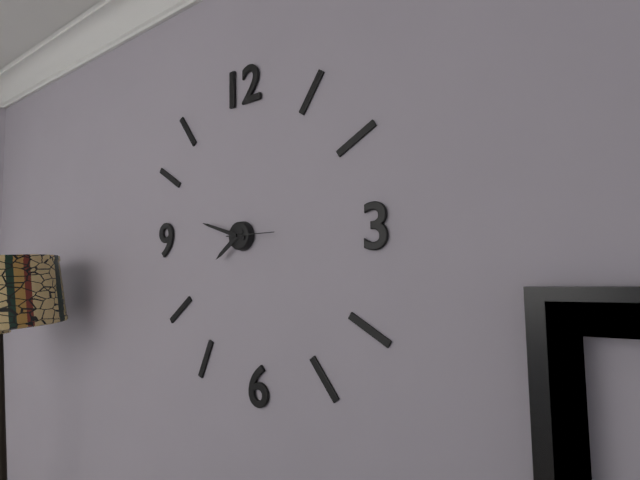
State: 7 h 48 min
